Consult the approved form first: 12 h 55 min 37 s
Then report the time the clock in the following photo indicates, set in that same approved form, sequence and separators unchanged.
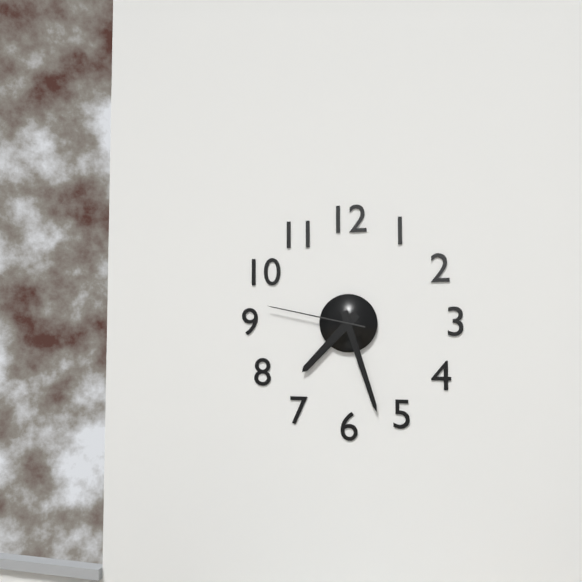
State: 7 h 27 min 47 s
